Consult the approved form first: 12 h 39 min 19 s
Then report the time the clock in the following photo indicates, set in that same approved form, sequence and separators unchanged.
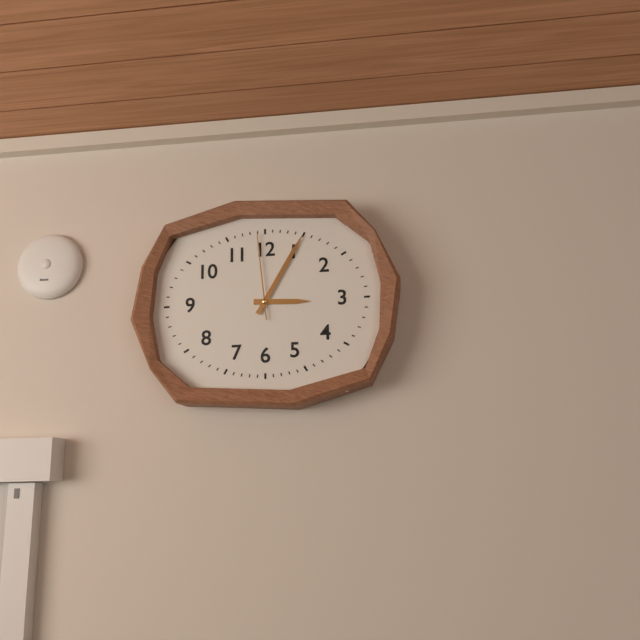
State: 3 h 05 min 59 s
